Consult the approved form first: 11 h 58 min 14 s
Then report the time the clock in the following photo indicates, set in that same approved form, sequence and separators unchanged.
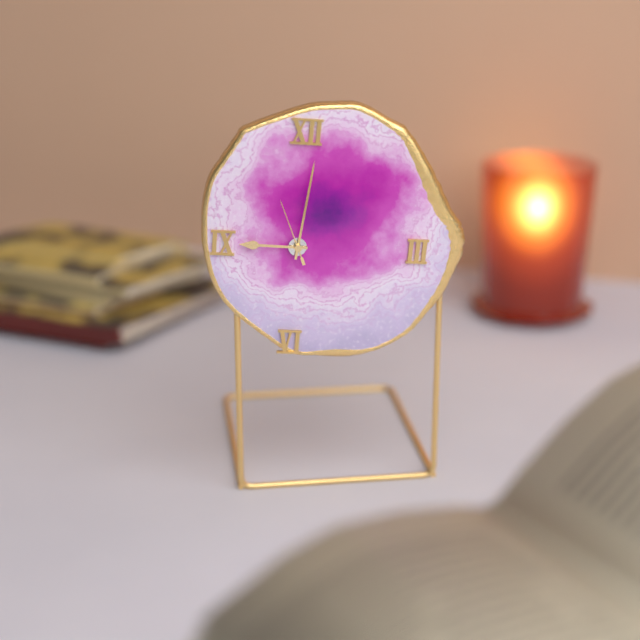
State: 9 h 01 min 56 s
